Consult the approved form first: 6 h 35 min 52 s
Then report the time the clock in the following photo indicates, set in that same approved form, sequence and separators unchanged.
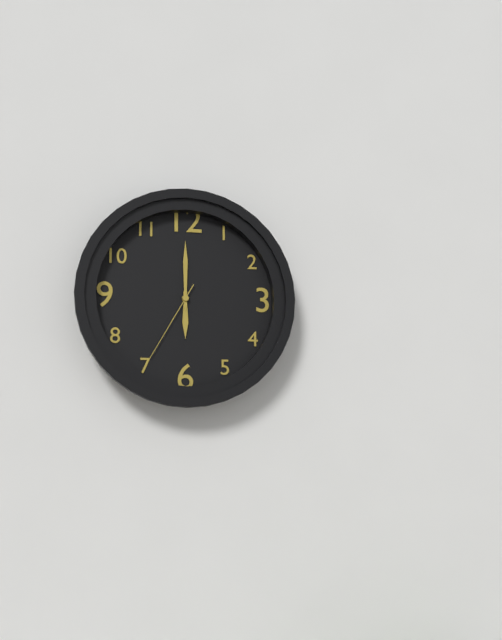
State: 6 h 00 min 35 s
